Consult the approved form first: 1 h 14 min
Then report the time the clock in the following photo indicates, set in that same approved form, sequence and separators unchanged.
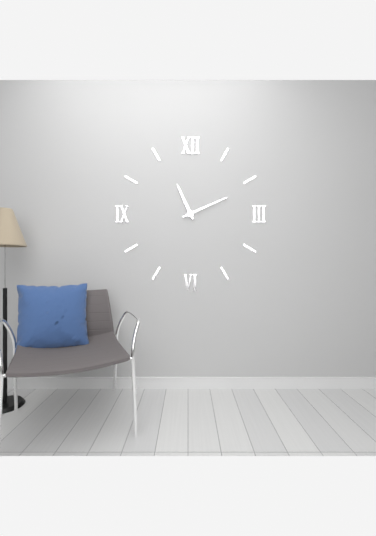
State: 11 h 11 min
